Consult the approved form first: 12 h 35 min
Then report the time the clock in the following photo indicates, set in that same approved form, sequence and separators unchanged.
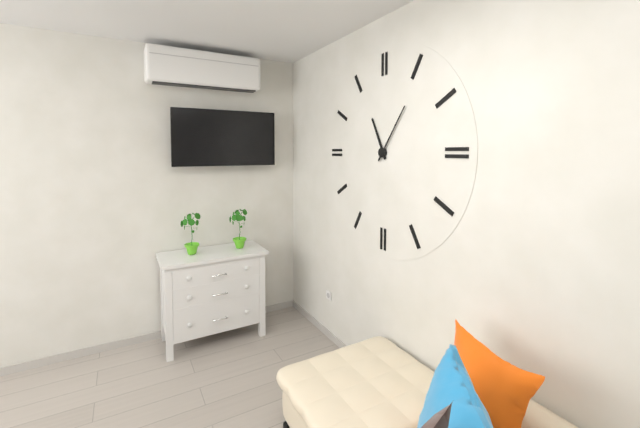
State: 11 h 06 min
